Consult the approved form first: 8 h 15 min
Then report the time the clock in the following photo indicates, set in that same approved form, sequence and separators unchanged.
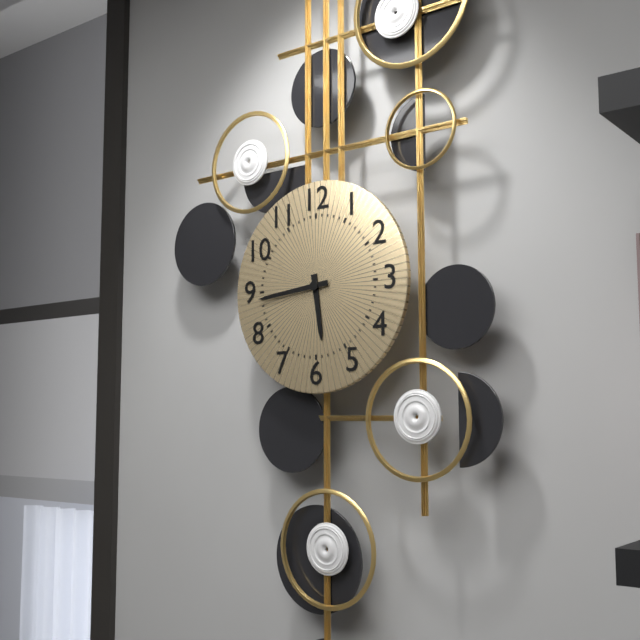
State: 5 h 44 min
